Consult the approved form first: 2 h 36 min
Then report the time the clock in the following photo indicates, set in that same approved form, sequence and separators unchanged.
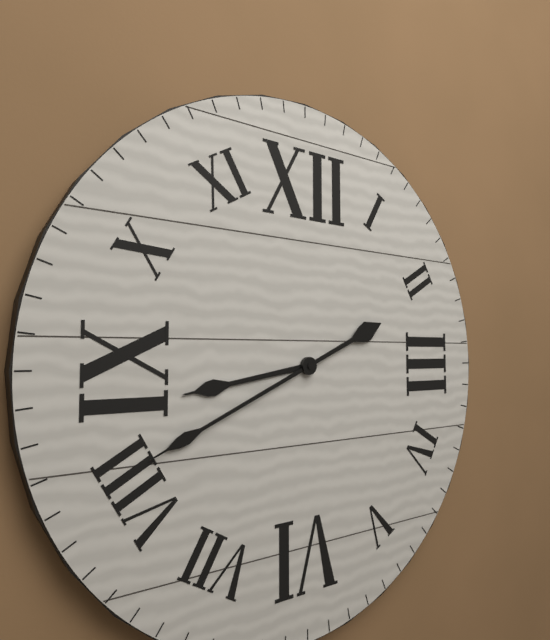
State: 8 h 41 min
